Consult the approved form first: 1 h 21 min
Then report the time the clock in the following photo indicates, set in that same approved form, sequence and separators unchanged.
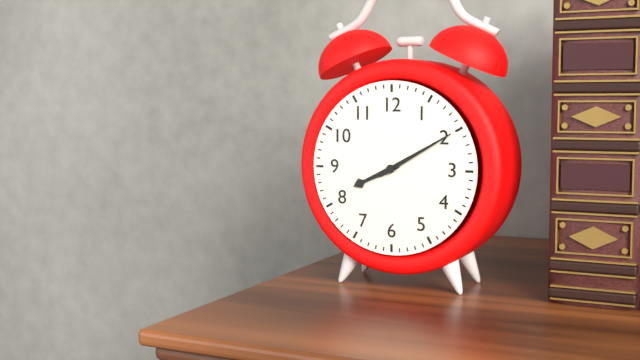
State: 8 h 10 min
